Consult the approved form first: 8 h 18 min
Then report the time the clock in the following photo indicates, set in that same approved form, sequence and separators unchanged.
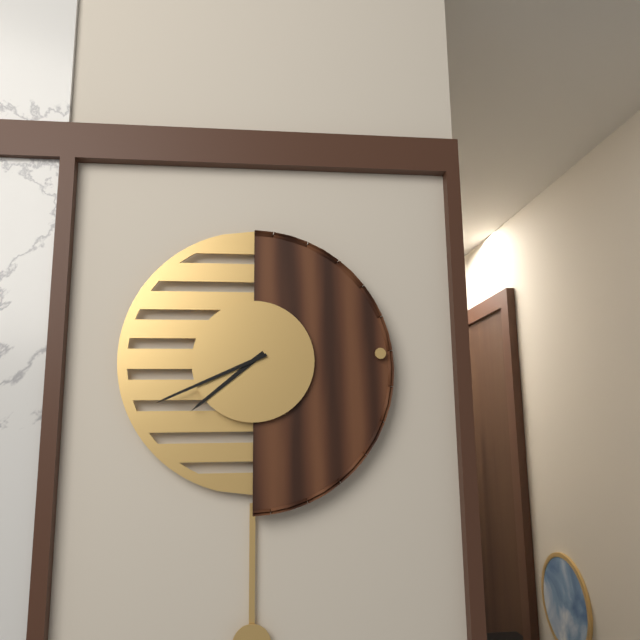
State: 7 h 41 min
